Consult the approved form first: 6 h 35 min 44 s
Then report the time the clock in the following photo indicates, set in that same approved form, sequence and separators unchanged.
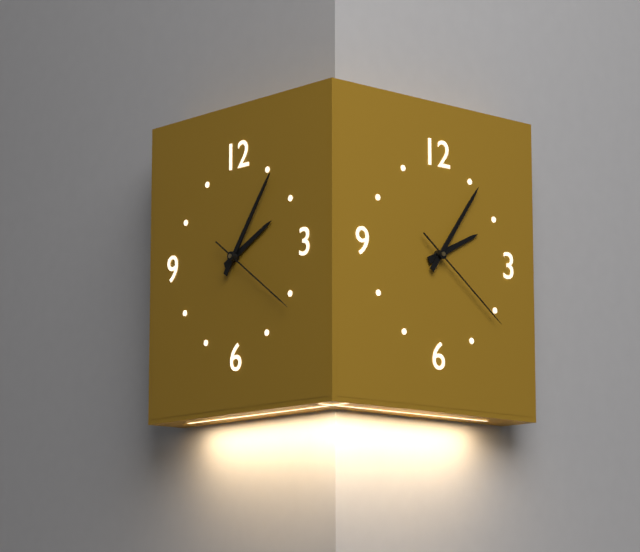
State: 2 h 06 min 21 s
